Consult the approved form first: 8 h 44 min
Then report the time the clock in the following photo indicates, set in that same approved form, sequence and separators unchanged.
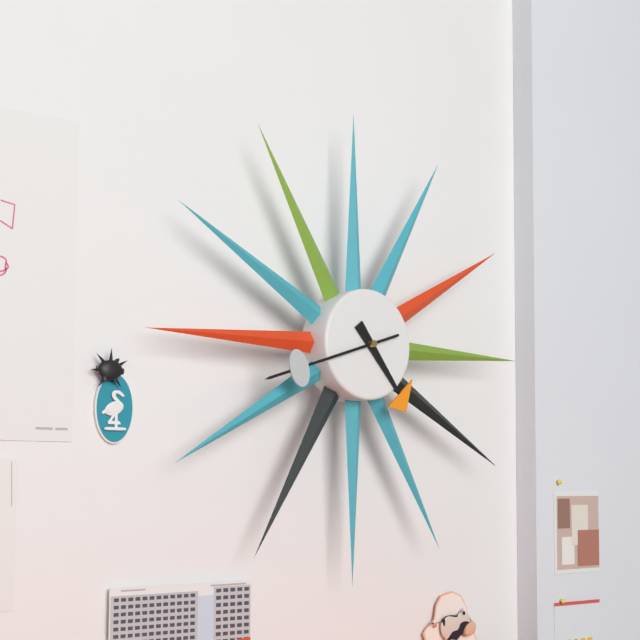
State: 4 h 42 min
